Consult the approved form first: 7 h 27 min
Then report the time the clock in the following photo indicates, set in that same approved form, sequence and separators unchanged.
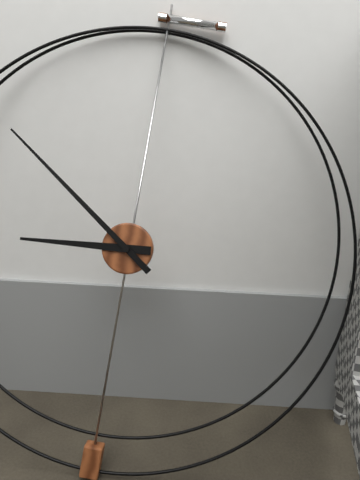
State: 8 h 51 min
